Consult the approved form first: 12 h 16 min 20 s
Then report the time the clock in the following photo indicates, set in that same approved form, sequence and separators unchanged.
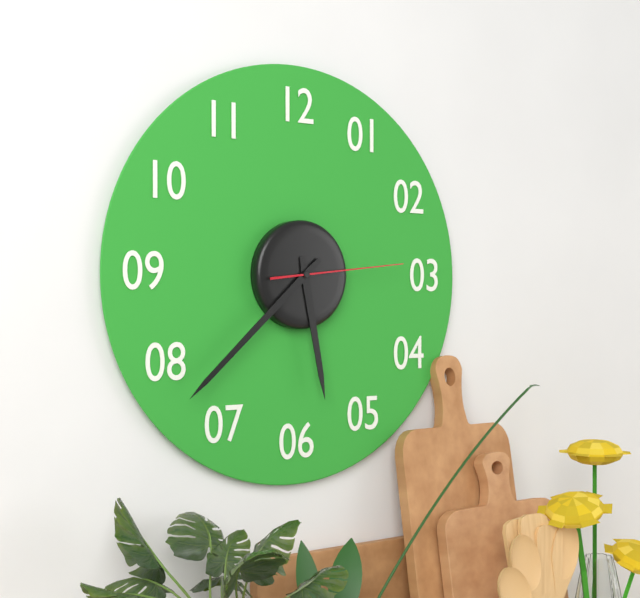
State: 5 h 38 min 14 s
